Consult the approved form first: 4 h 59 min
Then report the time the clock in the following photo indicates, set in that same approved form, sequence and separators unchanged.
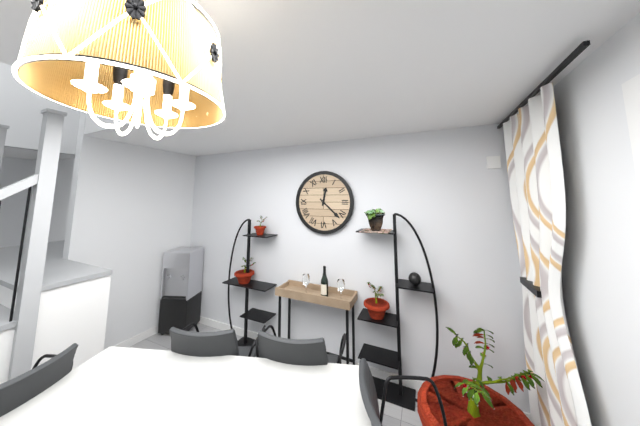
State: 12 h 22 min
